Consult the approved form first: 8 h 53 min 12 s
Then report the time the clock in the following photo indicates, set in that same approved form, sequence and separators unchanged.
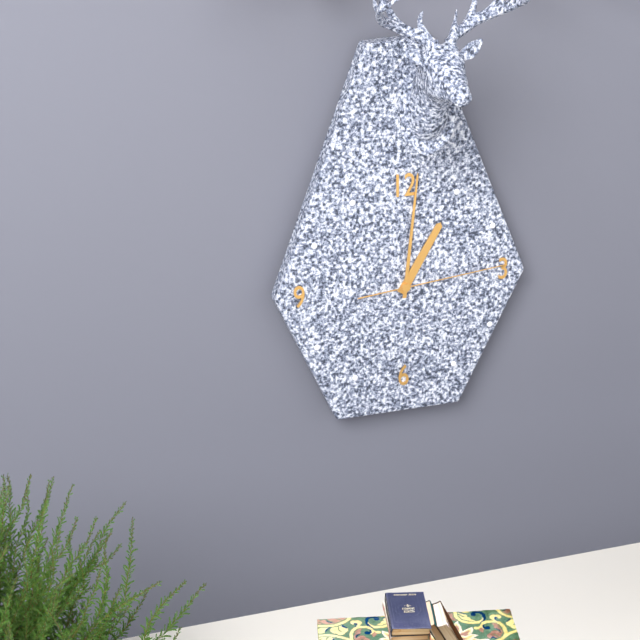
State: 1 h 01 min 14 s
